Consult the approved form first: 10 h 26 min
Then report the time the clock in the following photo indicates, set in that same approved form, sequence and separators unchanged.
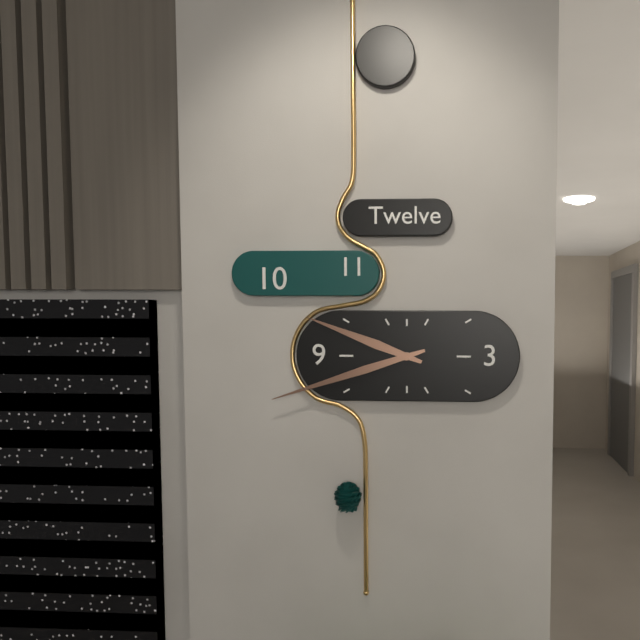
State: 9 h 42 min
